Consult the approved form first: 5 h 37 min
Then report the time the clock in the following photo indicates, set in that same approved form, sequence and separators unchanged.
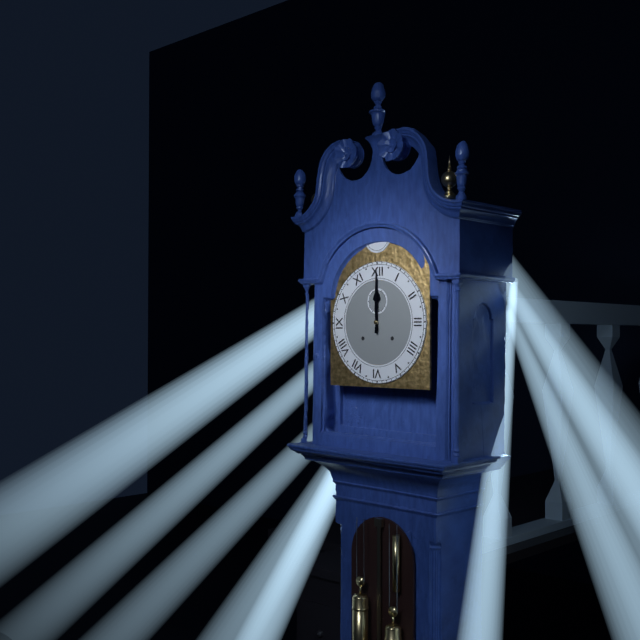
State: 12 h 00 min
